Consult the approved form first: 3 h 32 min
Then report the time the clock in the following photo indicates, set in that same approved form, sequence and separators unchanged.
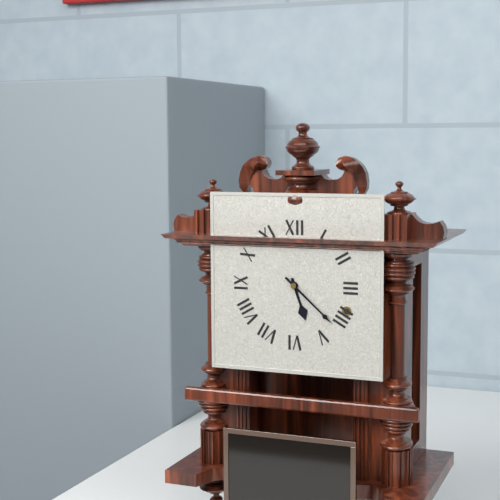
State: 5 h 22 min
